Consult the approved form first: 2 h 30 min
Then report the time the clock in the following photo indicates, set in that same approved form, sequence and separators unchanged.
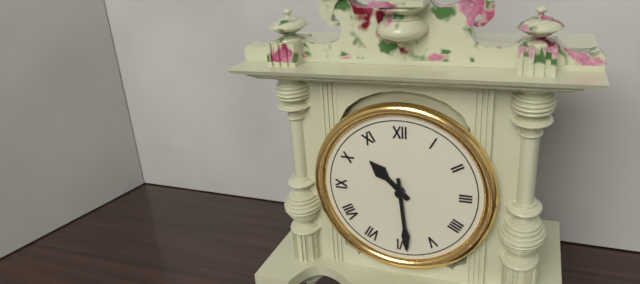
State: 10 h 29 min
